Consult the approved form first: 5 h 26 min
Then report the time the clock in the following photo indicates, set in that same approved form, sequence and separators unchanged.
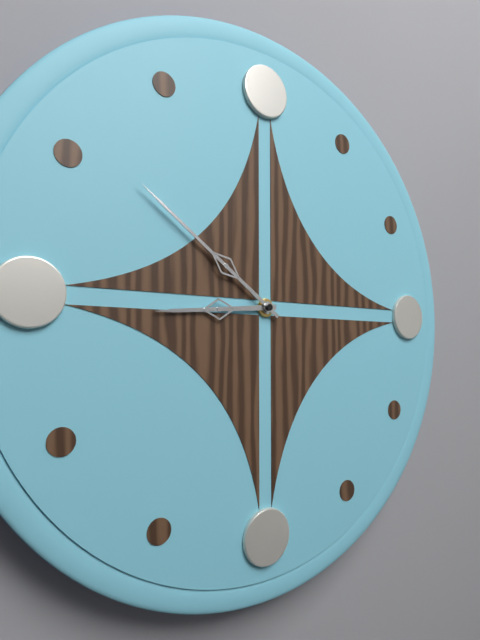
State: 8 h 51 min
